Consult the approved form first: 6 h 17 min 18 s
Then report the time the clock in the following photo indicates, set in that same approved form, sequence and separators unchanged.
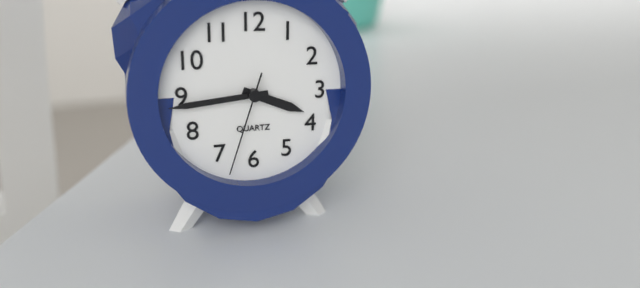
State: 3 h 44 min 33 s
